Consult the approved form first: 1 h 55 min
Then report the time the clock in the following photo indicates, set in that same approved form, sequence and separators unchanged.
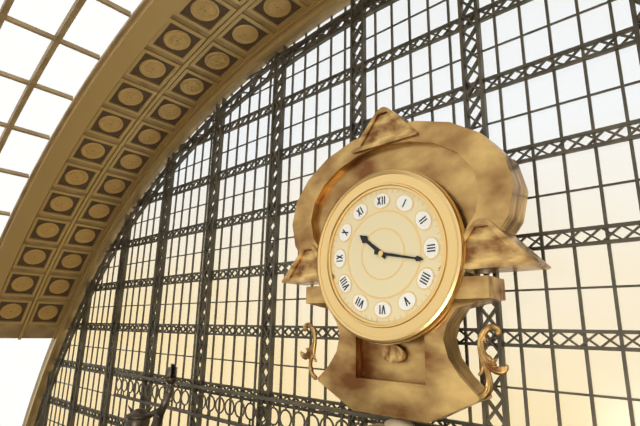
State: 10 h 17 min
